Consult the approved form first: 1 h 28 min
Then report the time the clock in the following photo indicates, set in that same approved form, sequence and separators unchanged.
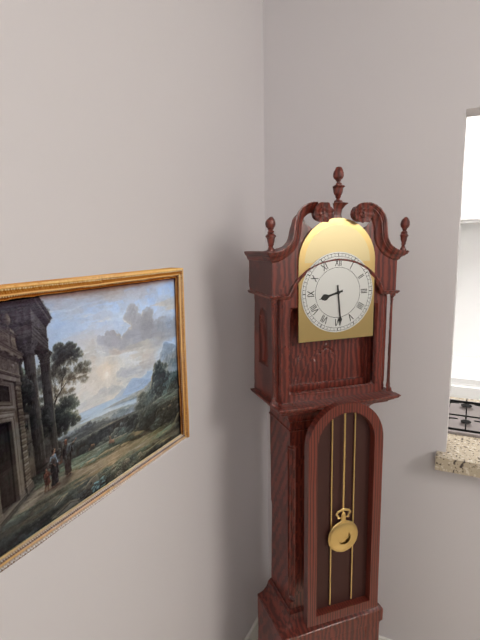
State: 8 h 29 min
